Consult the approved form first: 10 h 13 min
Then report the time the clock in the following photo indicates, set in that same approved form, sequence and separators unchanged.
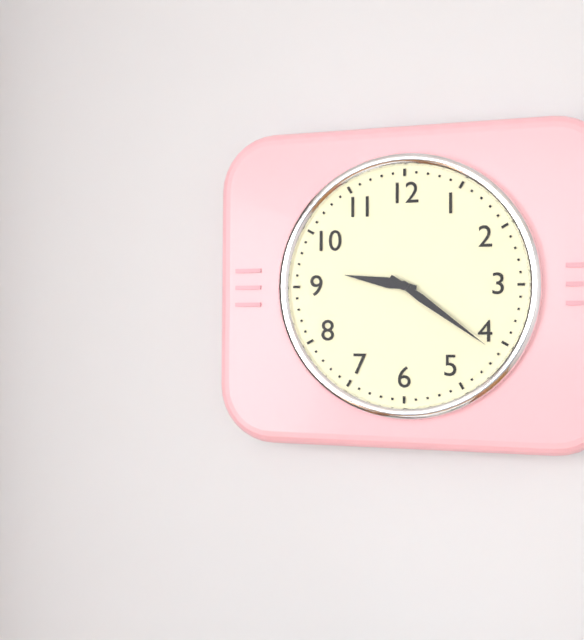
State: 9 h 21 min
